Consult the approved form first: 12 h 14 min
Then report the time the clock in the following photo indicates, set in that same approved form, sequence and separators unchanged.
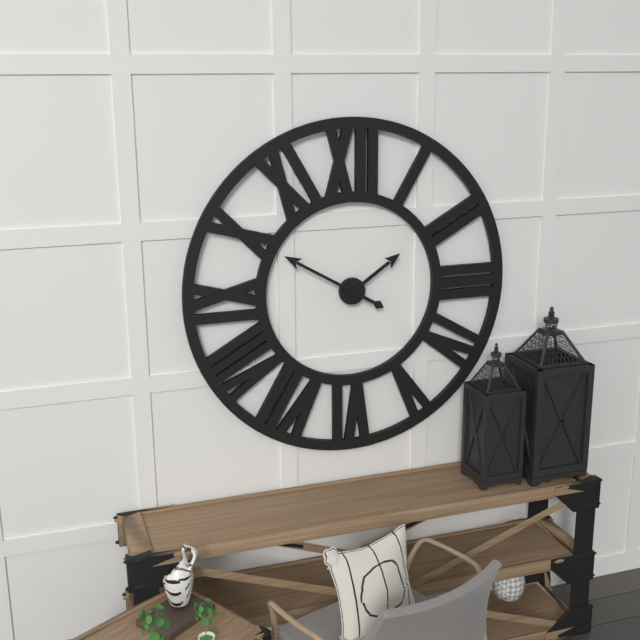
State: 1 h 50 min
